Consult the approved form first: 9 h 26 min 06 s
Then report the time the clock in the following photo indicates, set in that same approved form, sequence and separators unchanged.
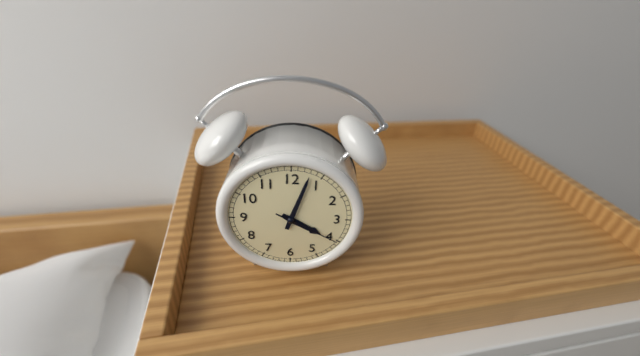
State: 4 h 03 min 20 s
